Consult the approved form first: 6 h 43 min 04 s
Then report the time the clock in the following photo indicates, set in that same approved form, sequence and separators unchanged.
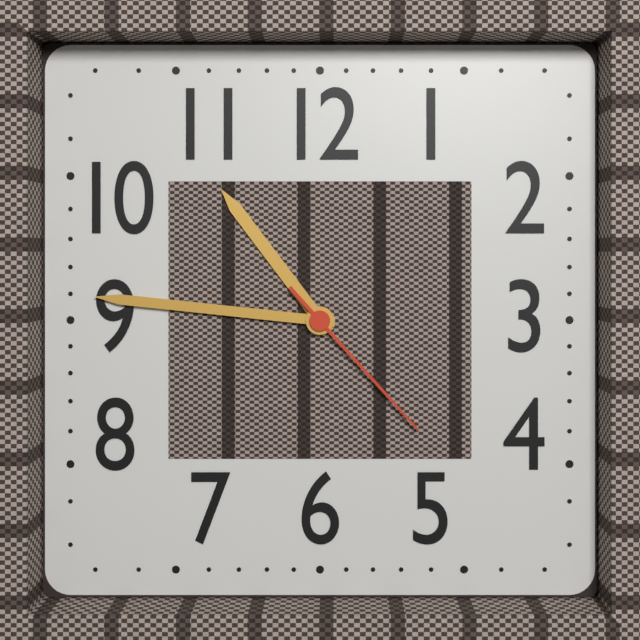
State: 10 h 46 min 23 s
